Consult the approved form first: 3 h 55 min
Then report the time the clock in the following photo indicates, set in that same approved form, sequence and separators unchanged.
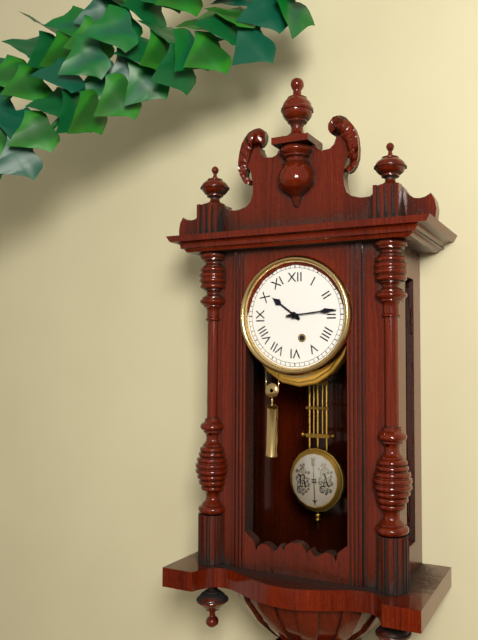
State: 10 h 14 min
